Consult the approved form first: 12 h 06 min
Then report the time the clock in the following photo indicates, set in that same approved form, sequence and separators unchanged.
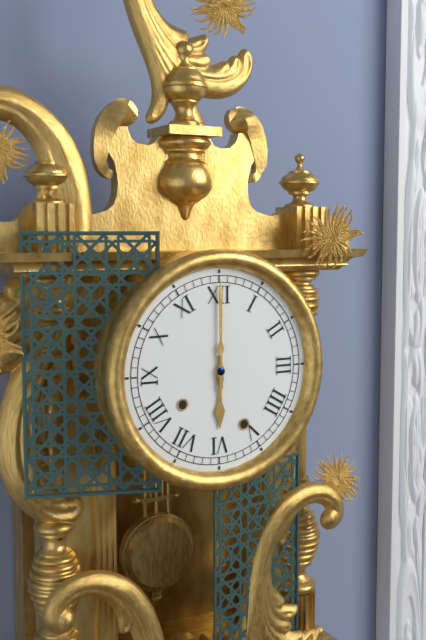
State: 6 h 00 min
